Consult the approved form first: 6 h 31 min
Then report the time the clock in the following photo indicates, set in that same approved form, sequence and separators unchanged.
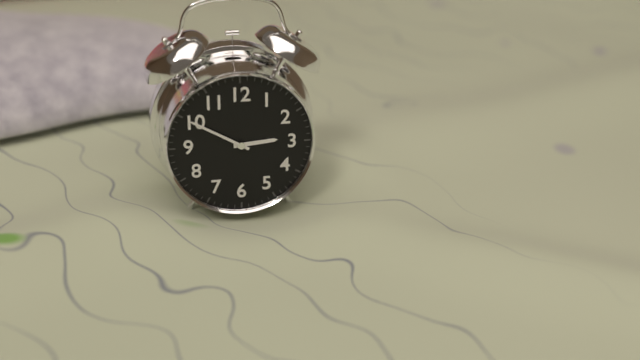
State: 2 h 50 min
